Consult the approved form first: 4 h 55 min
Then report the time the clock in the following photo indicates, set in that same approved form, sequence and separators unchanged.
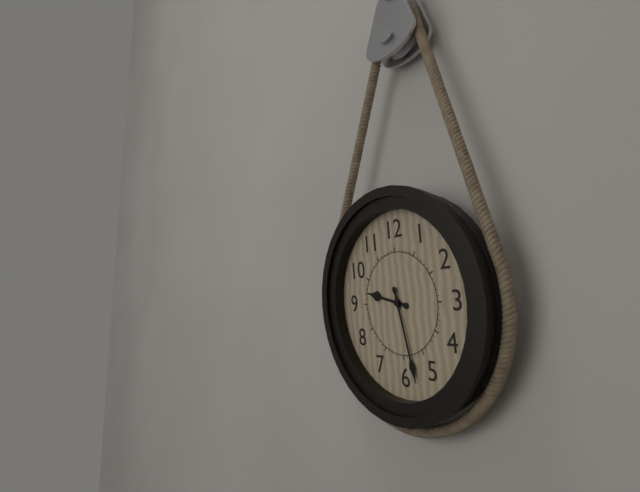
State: 9 h 28 min
